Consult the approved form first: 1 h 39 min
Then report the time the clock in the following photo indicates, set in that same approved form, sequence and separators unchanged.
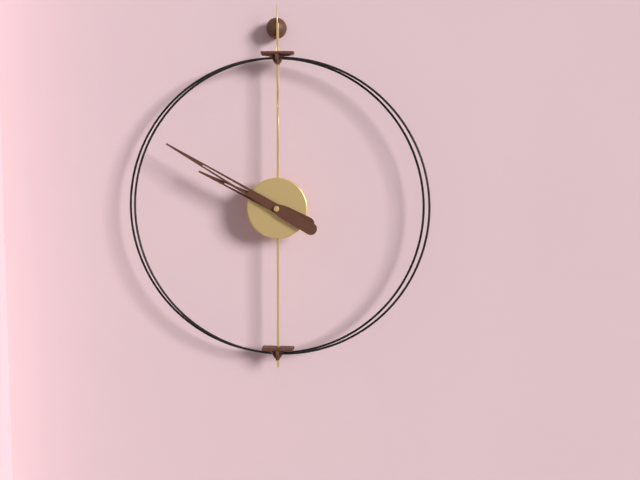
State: 9 h 50 min
